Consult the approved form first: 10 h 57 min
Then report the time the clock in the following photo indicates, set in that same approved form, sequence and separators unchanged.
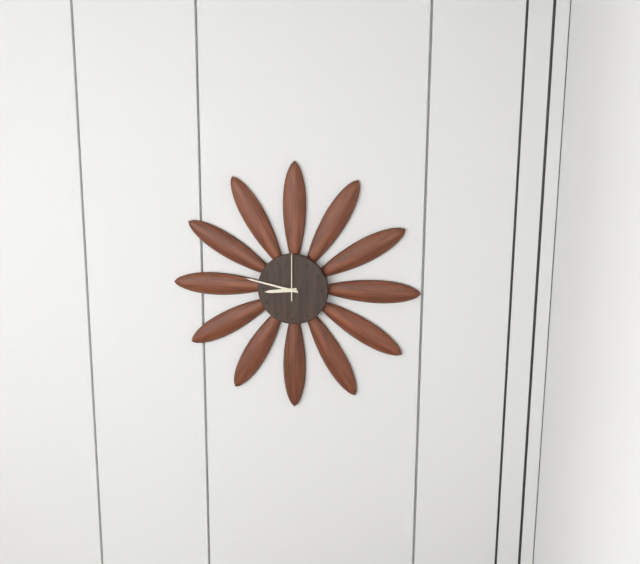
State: 8 h 47 min
